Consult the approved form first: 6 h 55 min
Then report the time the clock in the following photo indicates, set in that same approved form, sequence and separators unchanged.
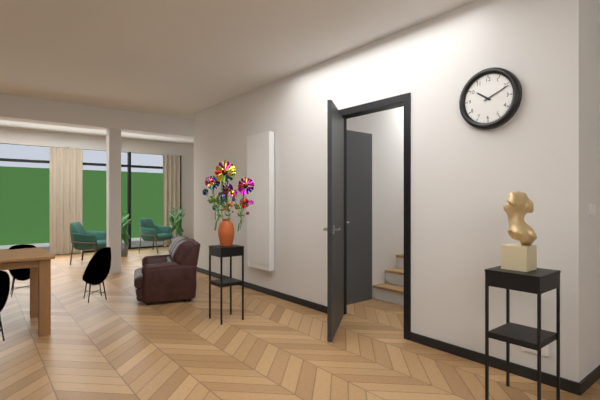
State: 10 h 11 min
